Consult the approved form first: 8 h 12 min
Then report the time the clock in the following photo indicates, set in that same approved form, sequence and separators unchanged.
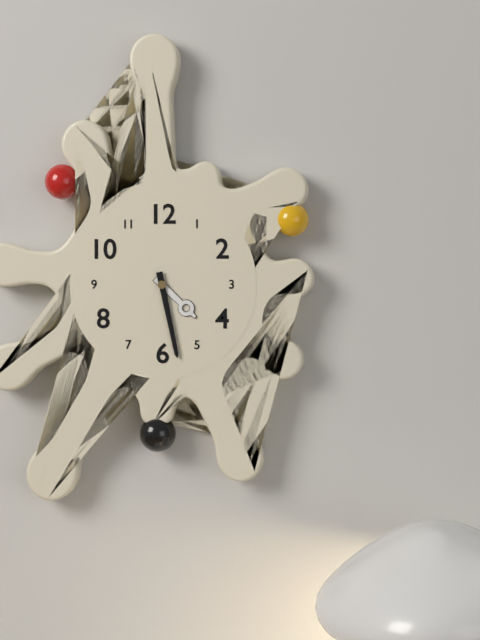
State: 4 h 28 min
